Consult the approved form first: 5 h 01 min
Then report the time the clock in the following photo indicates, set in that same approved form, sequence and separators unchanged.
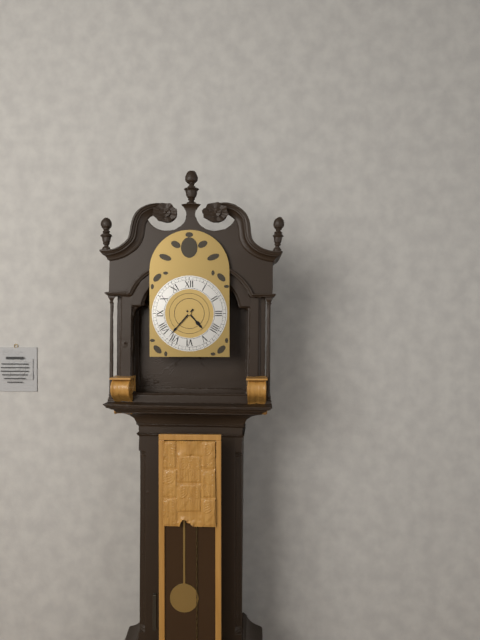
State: 4 h 37 min
